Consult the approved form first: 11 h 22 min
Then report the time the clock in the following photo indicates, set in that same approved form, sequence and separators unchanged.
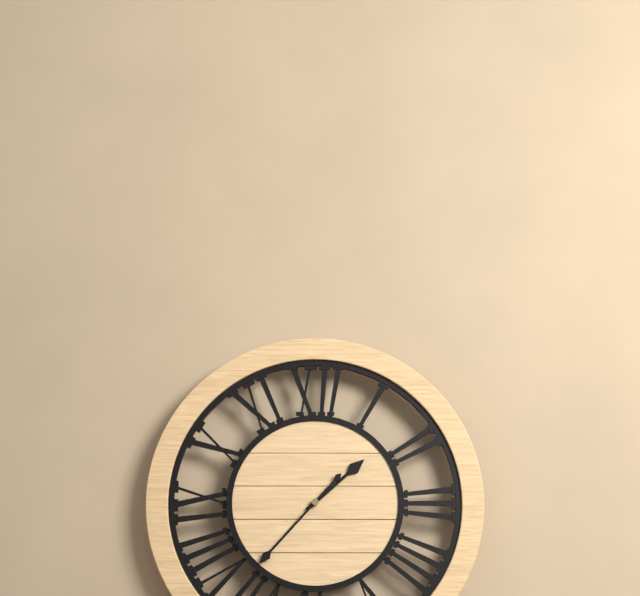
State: 1 h 37 min
